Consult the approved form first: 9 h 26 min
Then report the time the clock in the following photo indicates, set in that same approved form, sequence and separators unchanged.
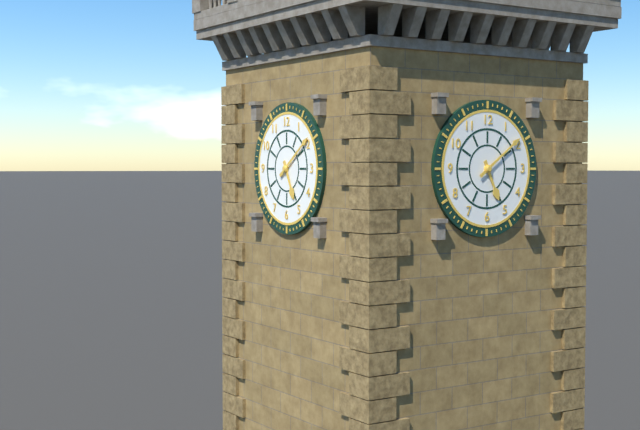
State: 5 h 09 min
